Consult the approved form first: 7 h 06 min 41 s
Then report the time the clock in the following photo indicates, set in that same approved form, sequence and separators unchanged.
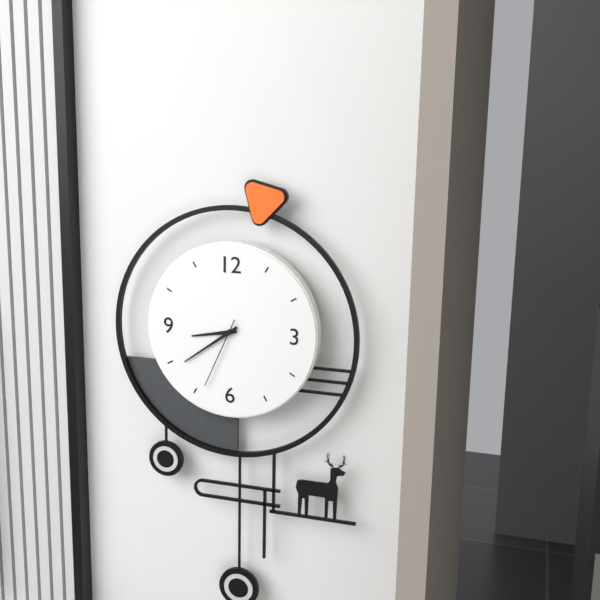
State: 8 h 39 min 34 s
